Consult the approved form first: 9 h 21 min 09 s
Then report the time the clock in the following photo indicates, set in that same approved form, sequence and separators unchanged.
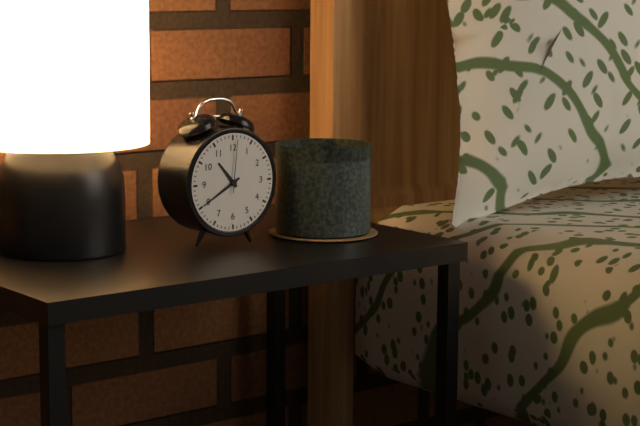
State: 10 h 40 min 01 s
